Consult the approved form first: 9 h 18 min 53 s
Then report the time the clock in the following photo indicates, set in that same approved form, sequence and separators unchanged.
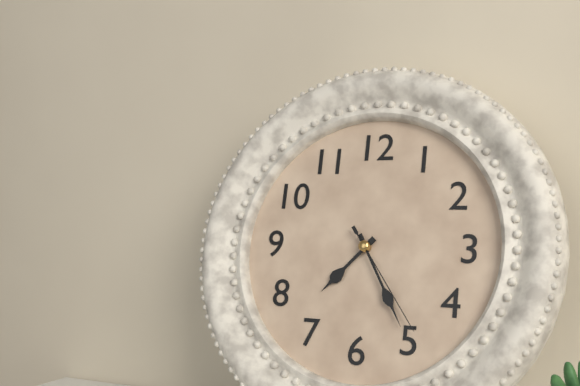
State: 7 h 25 min 24 s
